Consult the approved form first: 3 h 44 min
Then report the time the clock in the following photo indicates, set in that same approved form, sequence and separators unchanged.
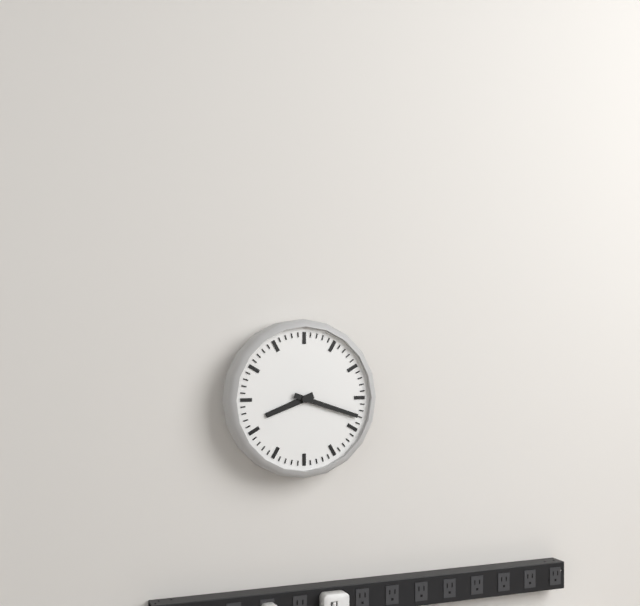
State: 8 h 18 min
